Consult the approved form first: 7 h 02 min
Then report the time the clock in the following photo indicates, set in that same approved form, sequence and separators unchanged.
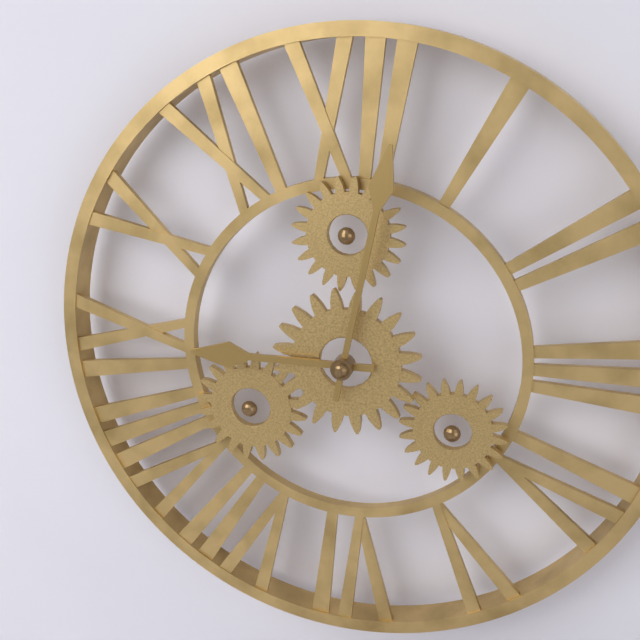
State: 9 h 02 min
